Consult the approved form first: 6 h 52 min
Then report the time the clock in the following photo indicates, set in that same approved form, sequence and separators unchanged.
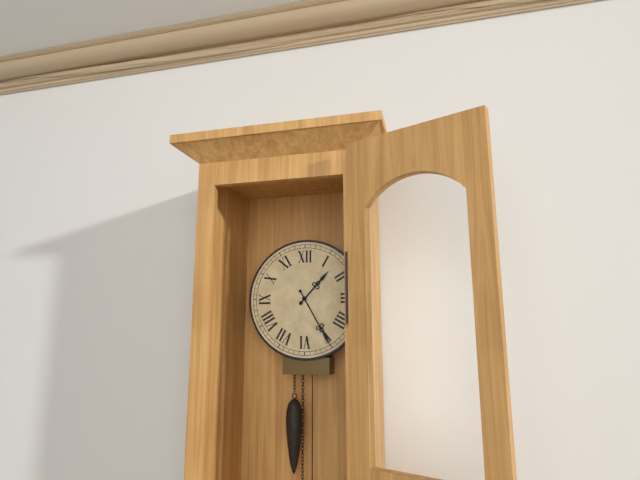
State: 1 h 25 min
